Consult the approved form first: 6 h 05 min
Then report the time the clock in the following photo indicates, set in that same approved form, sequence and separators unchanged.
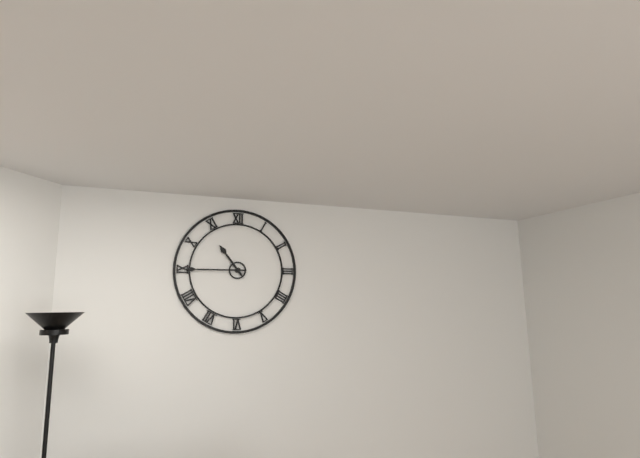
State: 10 h 45 min
